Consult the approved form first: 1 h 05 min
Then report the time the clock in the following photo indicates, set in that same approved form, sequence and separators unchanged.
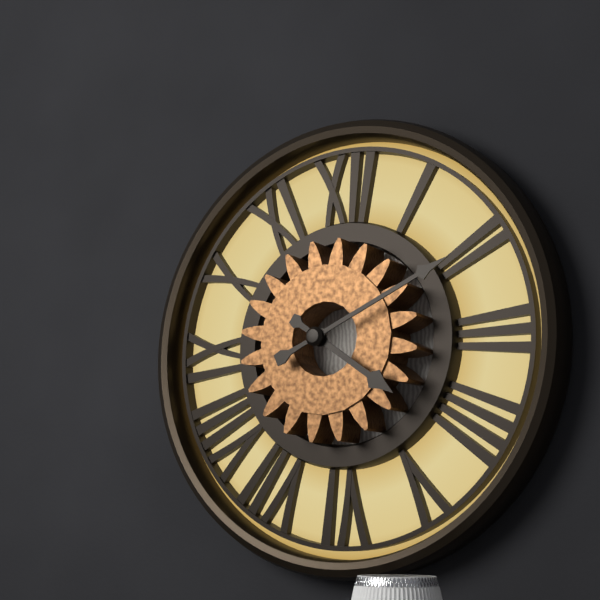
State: 4 h 11 min
